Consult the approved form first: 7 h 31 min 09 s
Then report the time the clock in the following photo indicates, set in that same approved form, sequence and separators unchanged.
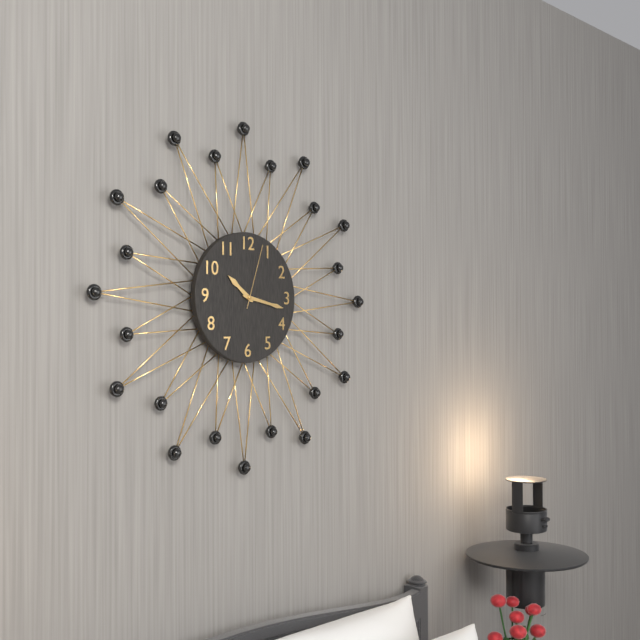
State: 10 h 17 min 03 s
